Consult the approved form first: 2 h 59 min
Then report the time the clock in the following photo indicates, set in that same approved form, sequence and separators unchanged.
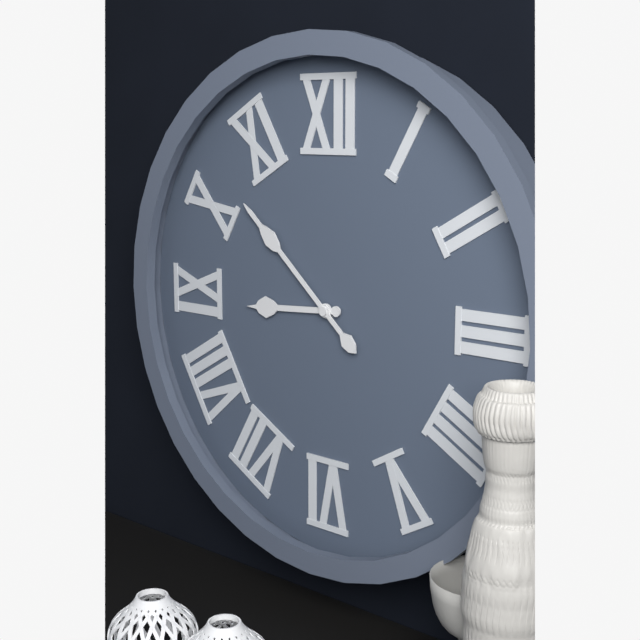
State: 8 h 52 min
